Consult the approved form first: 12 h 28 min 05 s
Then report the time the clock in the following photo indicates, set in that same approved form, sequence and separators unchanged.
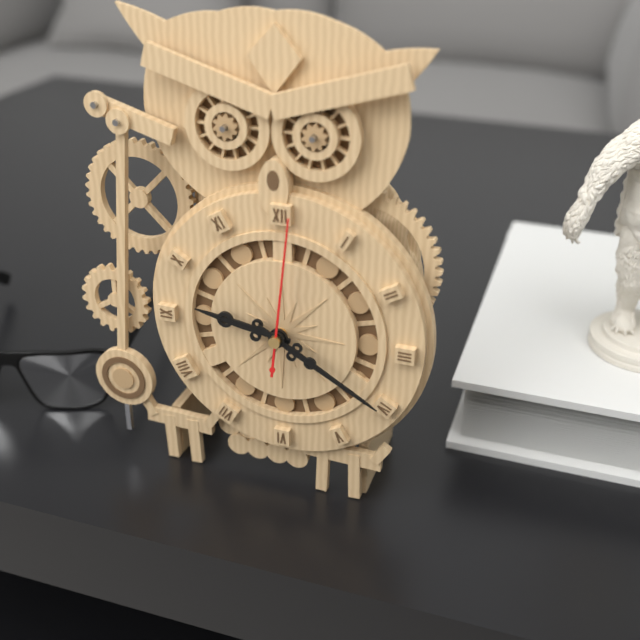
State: 9 h 20 min 01 s
